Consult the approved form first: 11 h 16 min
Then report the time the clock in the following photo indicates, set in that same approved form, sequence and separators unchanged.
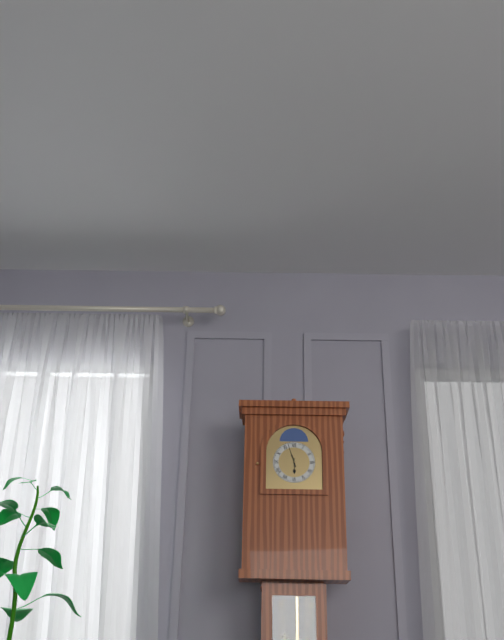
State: 5 h 57 min
